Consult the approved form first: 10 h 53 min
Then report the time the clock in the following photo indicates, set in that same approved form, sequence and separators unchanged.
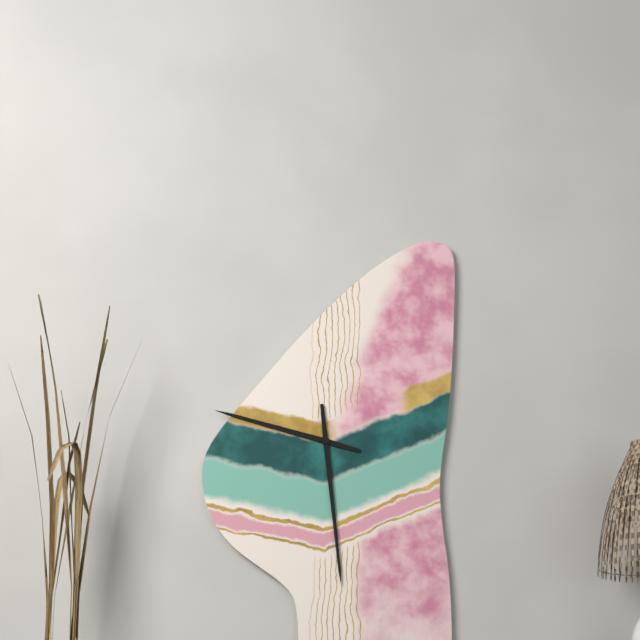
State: 9 h 29 min
